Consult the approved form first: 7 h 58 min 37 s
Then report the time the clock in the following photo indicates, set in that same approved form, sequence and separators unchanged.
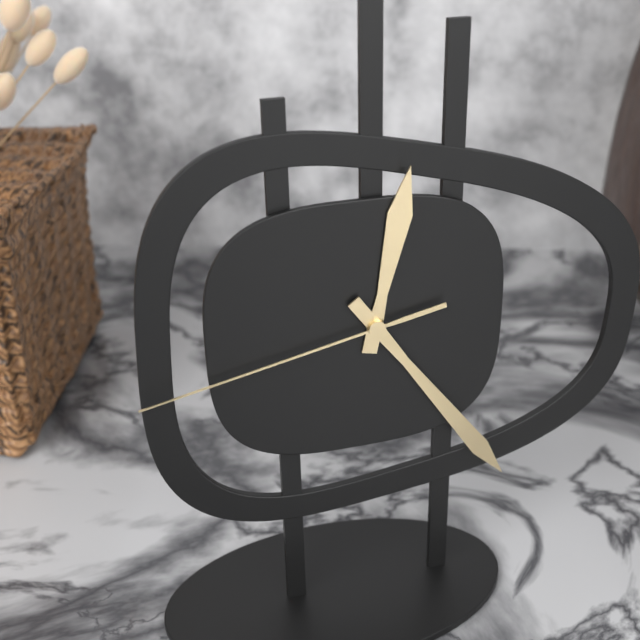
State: 12 h 24 min 43 s
